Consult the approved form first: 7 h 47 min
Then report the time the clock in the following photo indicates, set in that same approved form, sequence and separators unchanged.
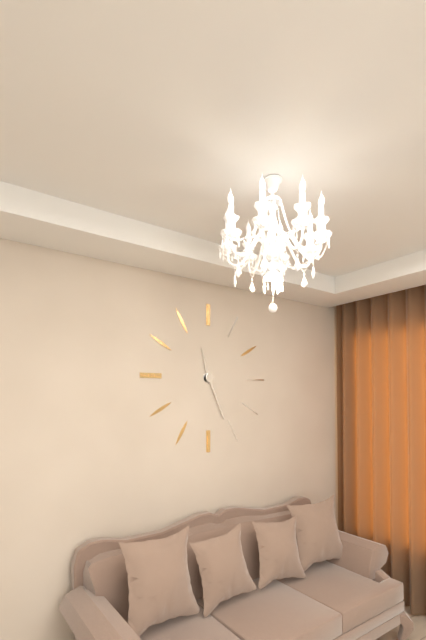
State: 11 h 26 min
